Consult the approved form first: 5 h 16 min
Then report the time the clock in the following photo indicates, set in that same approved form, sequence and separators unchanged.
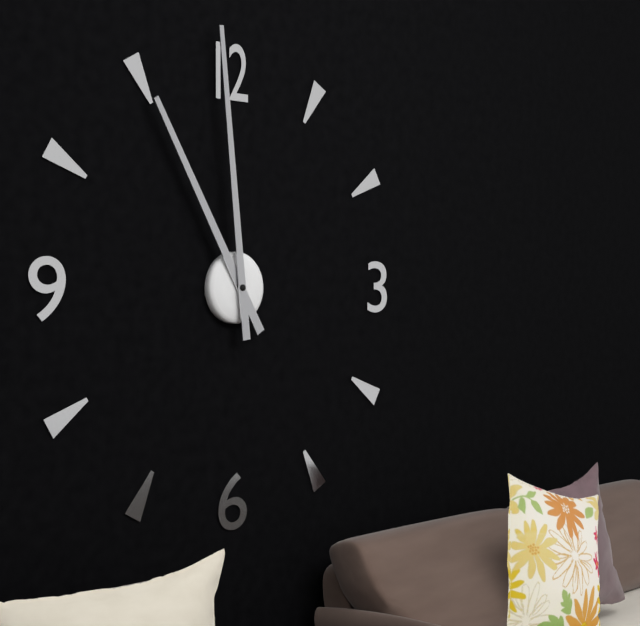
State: 10 h 59 min
